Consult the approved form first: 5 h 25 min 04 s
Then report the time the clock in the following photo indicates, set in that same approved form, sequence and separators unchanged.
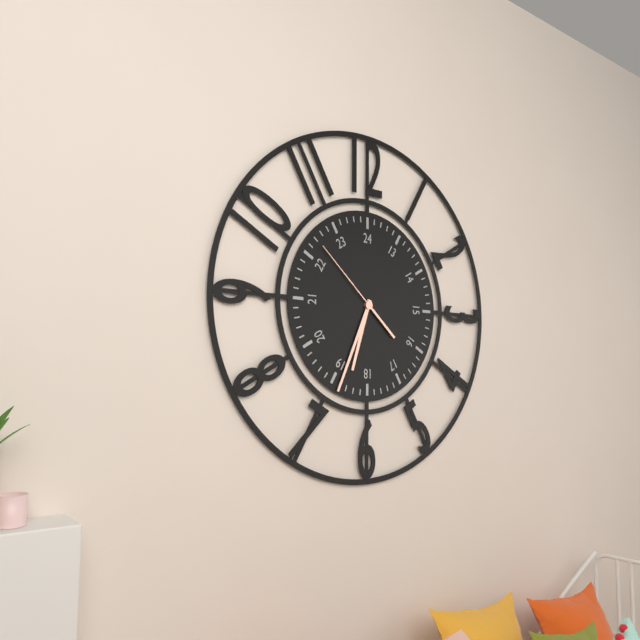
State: 6 h 34 min 52 s
